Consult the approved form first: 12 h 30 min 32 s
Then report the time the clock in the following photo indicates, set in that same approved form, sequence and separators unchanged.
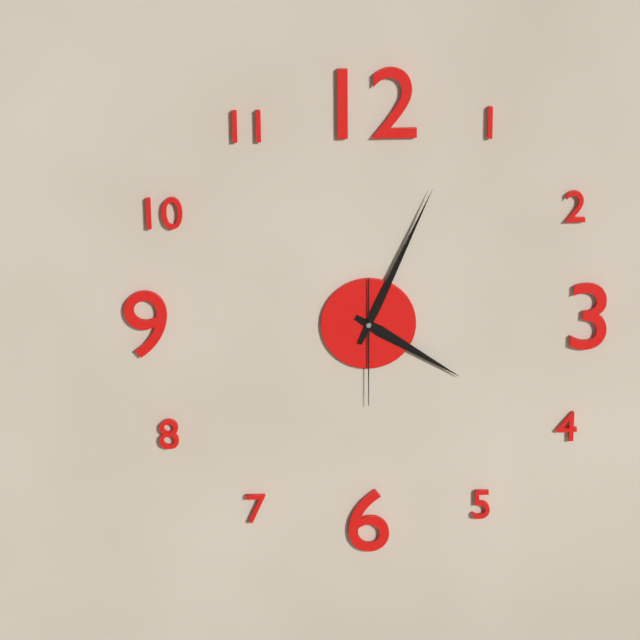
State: 4 h 04 min 30 s
